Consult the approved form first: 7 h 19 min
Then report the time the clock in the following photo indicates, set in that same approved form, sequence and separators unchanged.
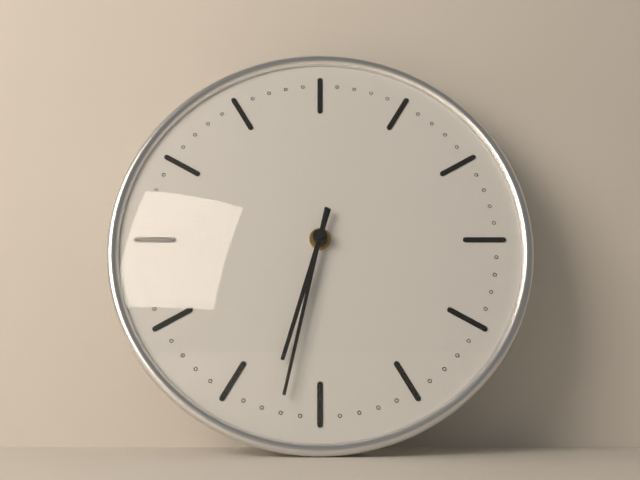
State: 6 h 32 min
